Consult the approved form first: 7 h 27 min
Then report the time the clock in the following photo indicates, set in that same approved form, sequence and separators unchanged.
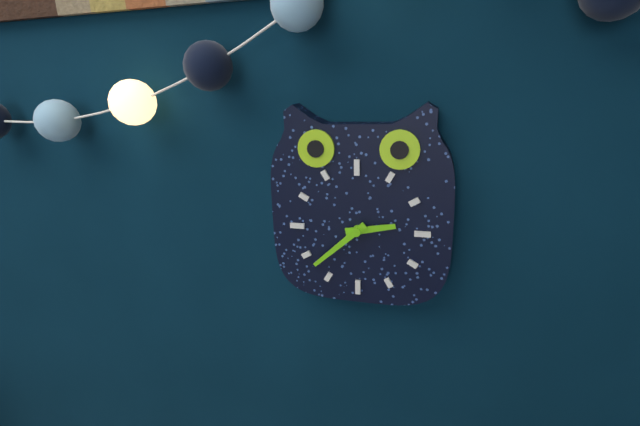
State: 2 h 38 min
